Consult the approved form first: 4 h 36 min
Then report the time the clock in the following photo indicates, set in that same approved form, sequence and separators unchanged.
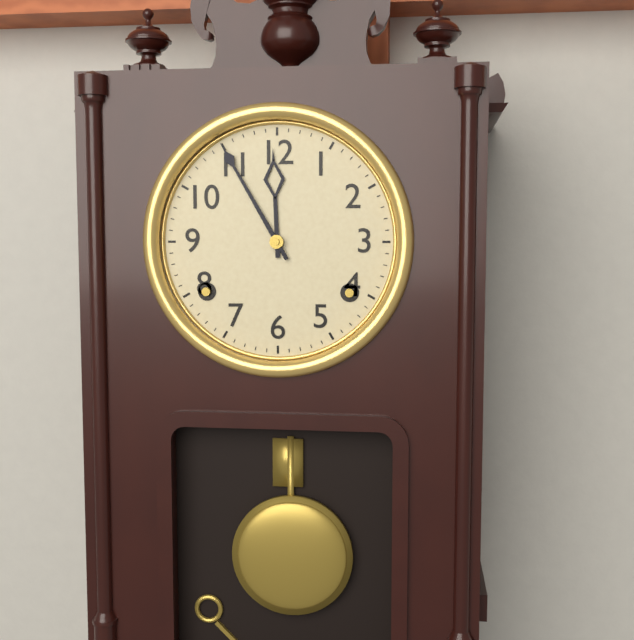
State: 11 h 55 min
